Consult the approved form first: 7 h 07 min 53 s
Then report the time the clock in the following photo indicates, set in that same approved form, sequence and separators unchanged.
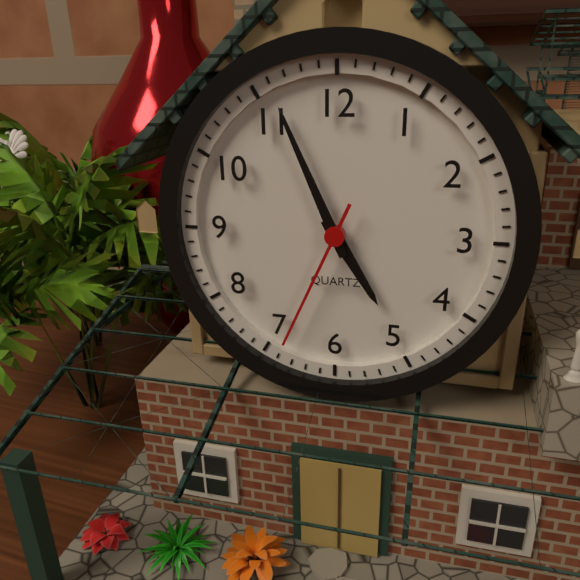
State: 4 h 56 min 34 s
